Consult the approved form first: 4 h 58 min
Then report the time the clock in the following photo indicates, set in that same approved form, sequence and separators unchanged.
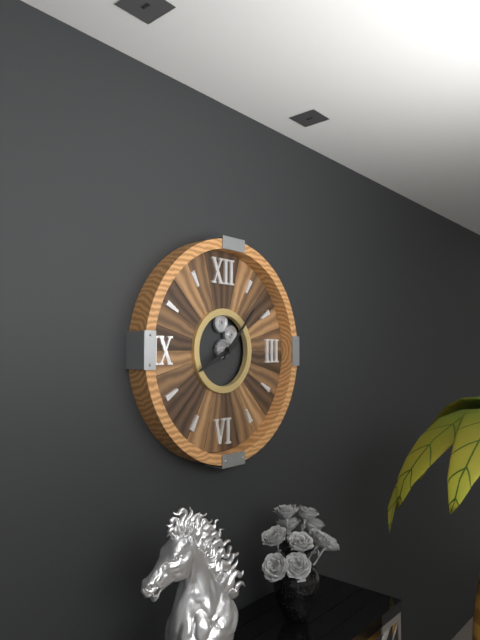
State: 8 h 07 min
